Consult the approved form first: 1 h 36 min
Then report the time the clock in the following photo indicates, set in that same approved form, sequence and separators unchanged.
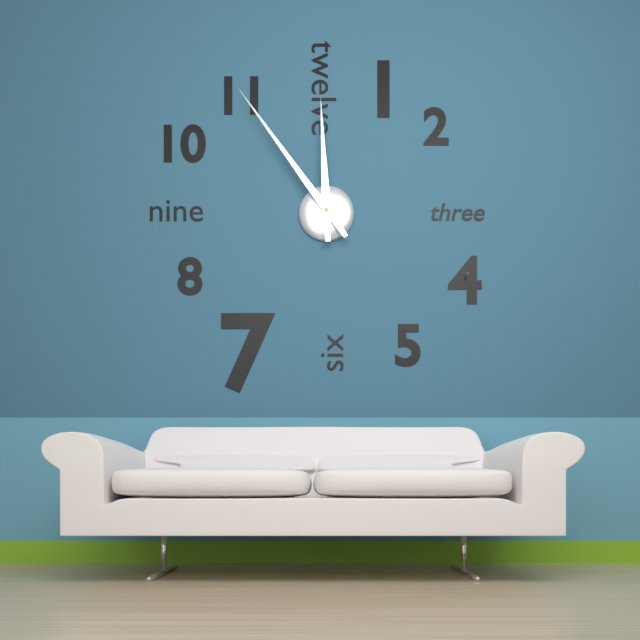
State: 11 h 54 min
